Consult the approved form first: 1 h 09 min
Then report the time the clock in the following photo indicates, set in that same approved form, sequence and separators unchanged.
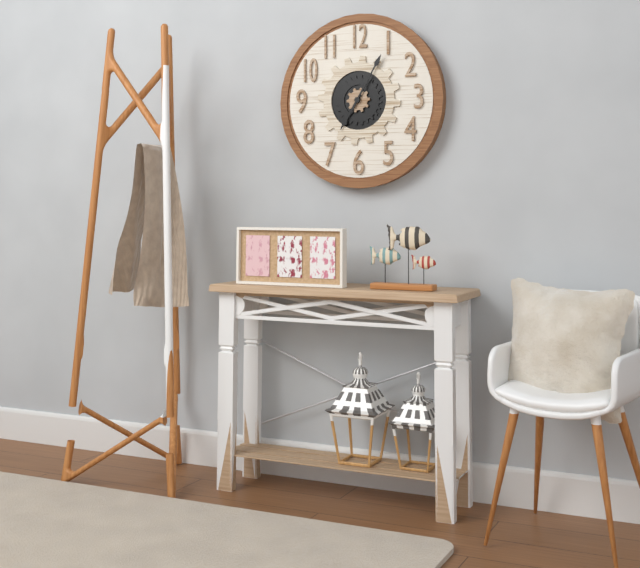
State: 7 h 05 min
